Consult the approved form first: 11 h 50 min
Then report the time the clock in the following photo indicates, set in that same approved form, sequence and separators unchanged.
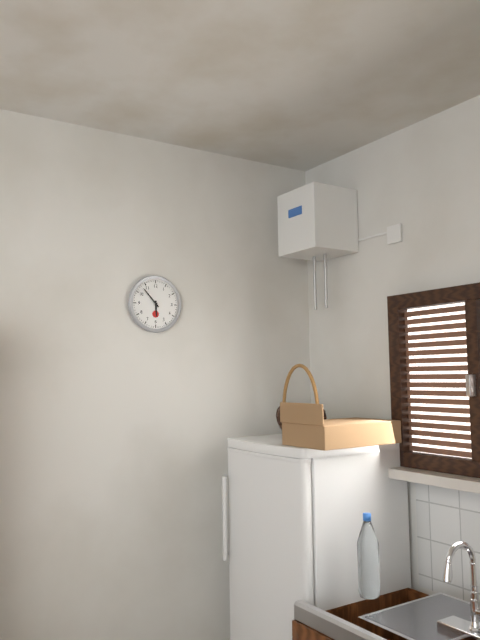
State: 5 h 53 min
